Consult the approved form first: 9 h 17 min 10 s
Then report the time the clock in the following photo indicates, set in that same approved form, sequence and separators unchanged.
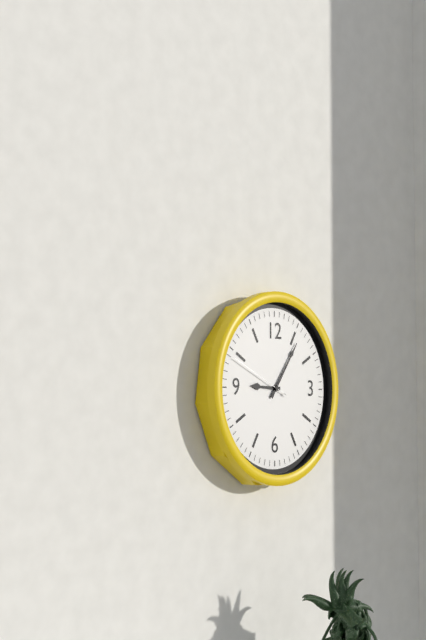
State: 9 h 06 min 49 s
